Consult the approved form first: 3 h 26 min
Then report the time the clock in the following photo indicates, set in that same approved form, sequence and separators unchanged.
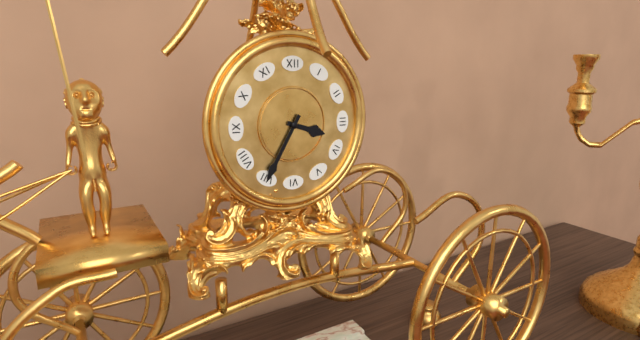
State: 3 h 35 min
